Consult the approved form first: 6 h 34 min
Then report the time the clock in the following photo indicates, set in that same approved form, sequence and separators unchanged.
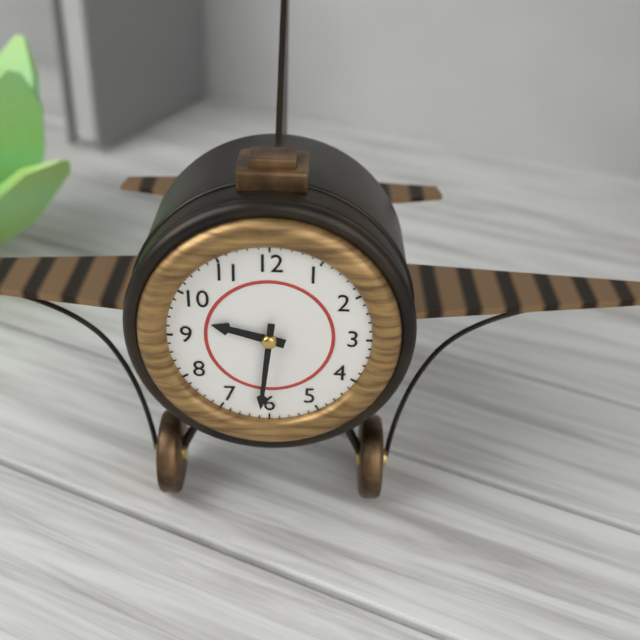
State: 9 h 31 min
